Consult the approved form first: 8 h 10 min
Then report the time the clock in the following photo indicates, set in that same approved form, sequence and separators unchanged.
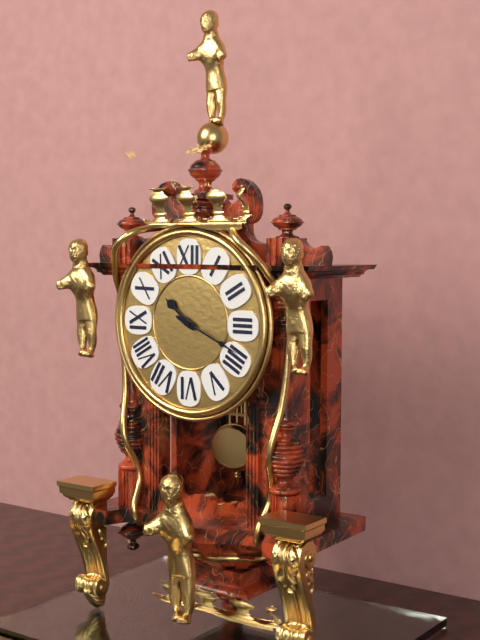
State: 10 h 19 min
